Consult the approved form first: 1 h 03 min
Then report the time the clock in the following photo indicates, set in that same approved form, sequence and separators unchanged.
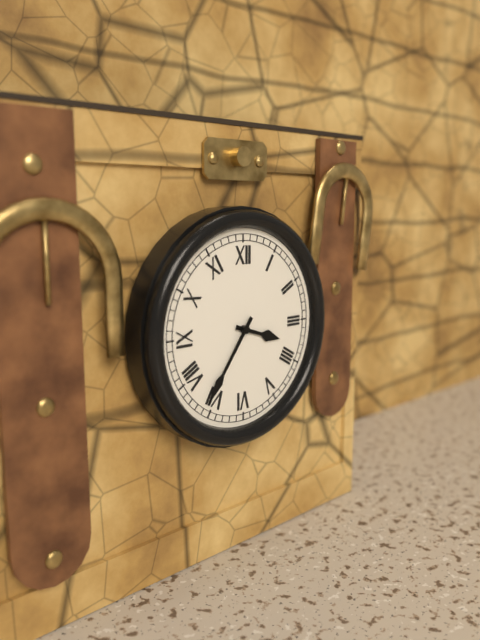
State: 3 h 36 min
